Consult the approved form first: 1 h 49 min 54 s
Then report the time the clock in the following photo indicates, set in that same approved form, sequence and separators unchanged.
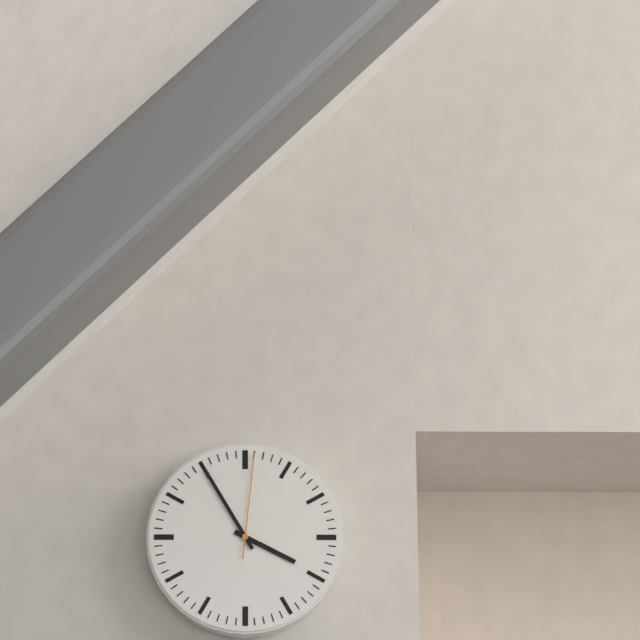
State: 3 h 55 min 01 s
